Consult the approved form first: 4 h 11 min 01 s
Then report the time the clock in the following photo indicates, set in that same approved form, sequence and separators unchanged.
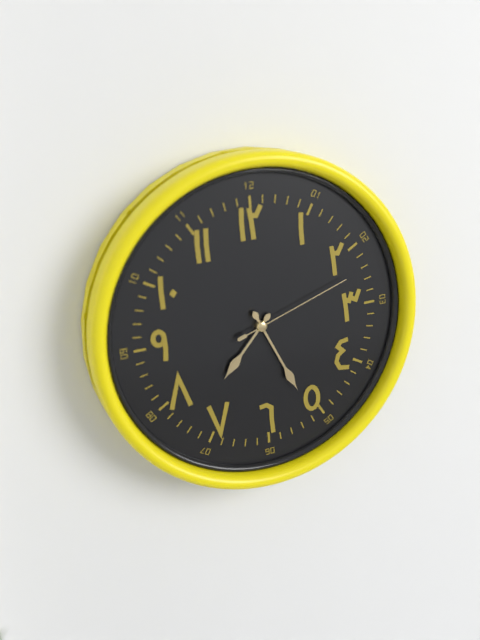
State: 7 h 26 min 12 s
